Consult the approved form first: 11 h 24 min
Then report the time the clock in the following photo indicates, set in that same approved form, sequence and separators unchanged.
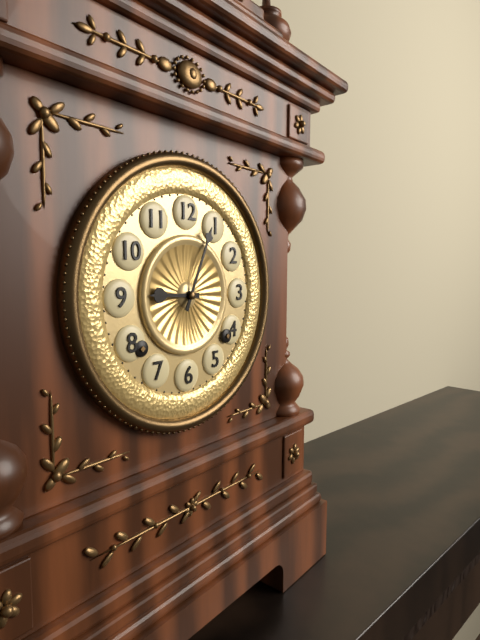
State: 9 h 04 min
